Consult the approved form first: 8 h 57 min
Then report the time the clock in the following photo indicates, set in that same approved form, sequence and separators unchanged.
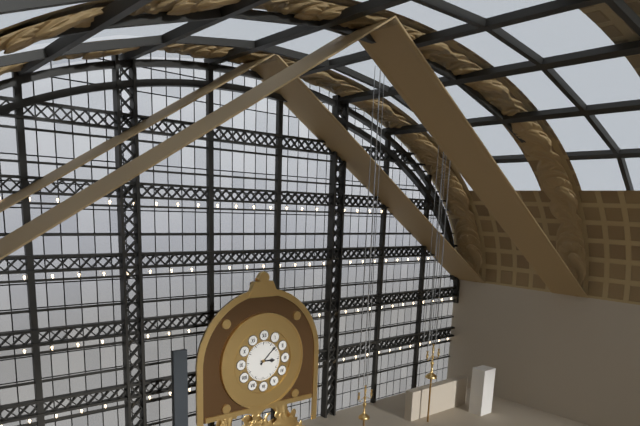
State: 3 h 08 min
